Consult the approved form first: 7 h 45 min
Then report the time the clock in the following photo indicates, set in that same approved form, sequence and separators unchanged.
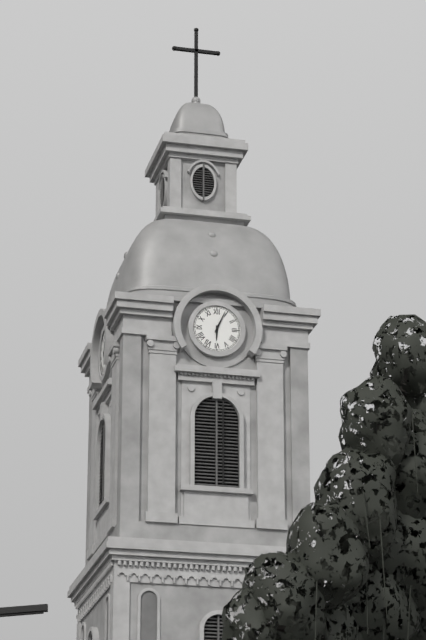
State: 6 h 04 min
